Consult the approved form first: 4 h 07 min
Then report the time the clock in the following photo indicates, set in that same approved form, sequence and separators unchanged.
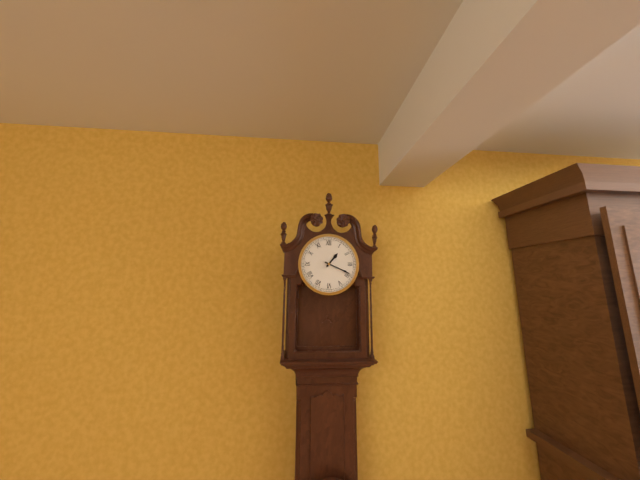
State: 1 h 19 min
